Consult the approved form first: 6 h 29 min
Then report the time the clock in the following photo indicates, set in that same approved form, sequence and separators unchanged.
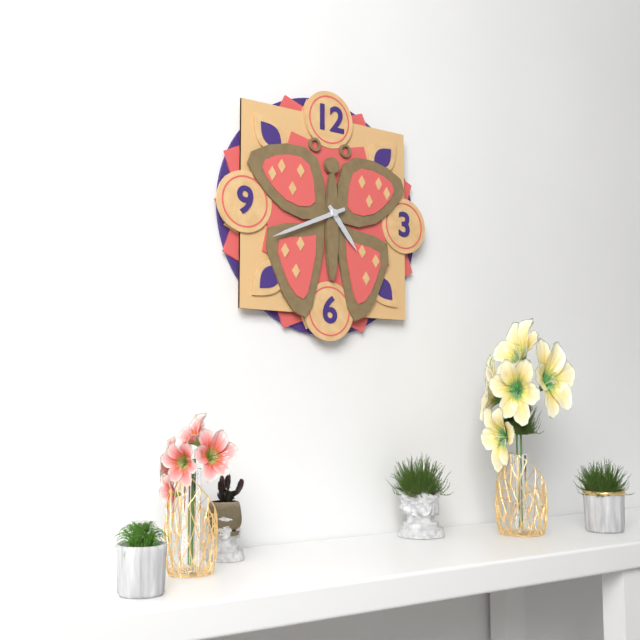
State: 4 h 41 min
